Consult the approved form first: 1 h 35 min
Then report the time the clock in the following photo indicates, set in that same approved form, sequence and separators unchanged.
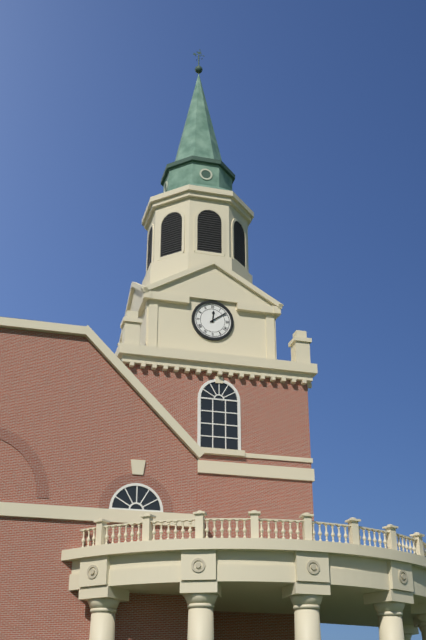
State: 12 h 09 min
